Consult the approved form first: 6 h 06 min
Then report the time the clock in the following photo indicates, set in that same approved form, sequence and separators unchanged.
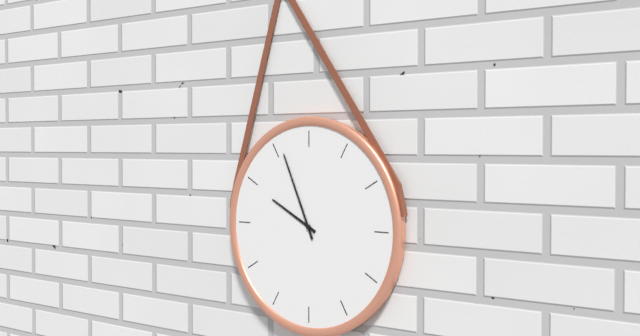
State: 9 h 56 min
